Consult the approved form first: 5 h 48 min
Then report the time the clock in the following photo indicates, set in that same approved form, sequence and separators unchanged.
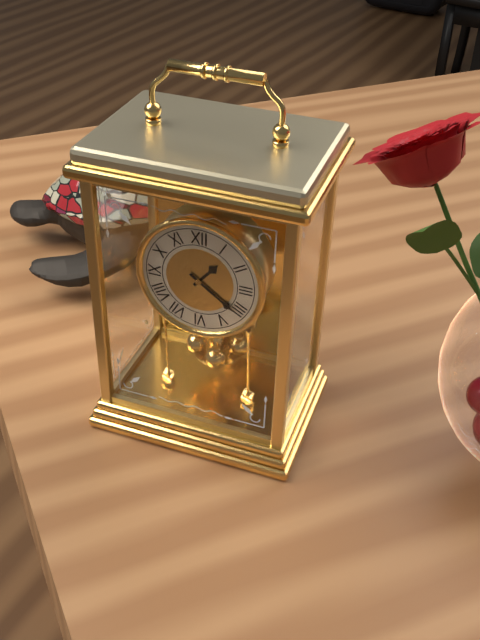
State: 1 h 21 min
